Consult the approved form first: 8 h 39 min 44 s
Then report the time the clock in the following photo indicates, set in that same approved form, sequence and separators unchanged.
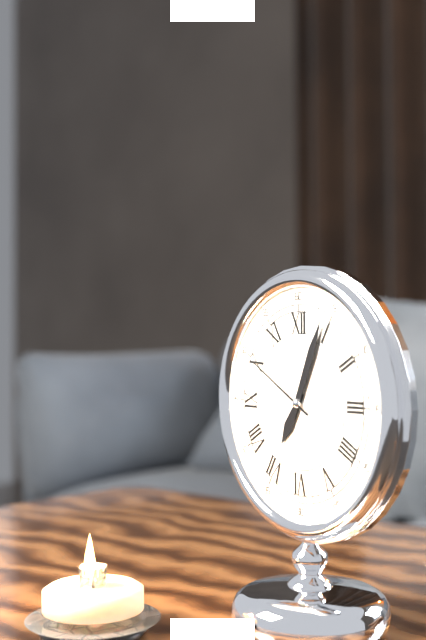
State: 7 h 04 min 50 s
